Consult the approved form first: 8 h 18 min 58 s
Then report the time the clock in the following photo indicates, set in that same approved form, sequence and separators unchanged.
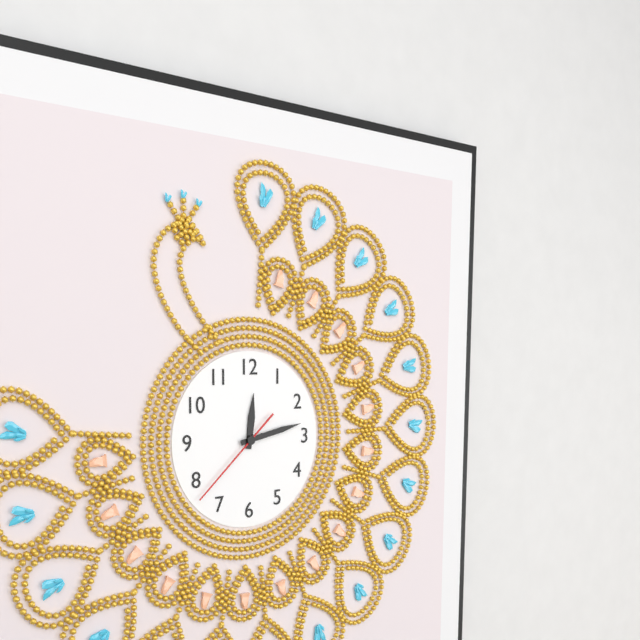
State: 12 h 13 min 38 s
